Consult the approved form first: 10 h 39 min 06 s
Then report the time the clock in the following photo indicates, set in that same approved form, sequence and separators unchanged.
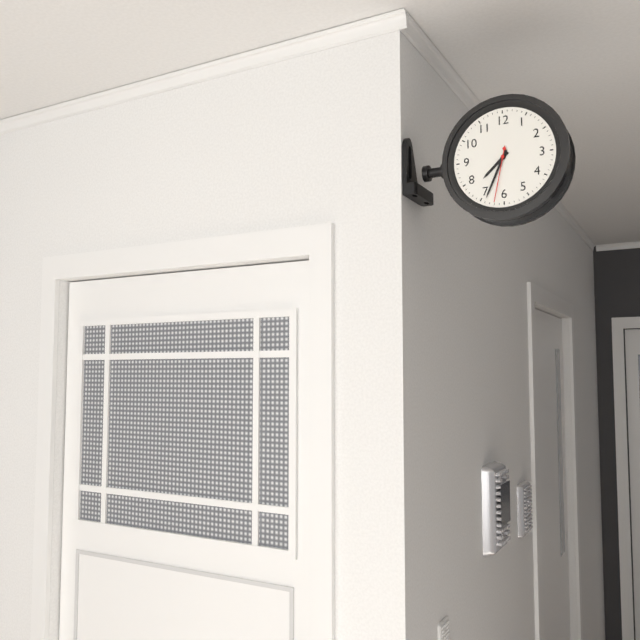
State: 7 h 34 min 32 s
